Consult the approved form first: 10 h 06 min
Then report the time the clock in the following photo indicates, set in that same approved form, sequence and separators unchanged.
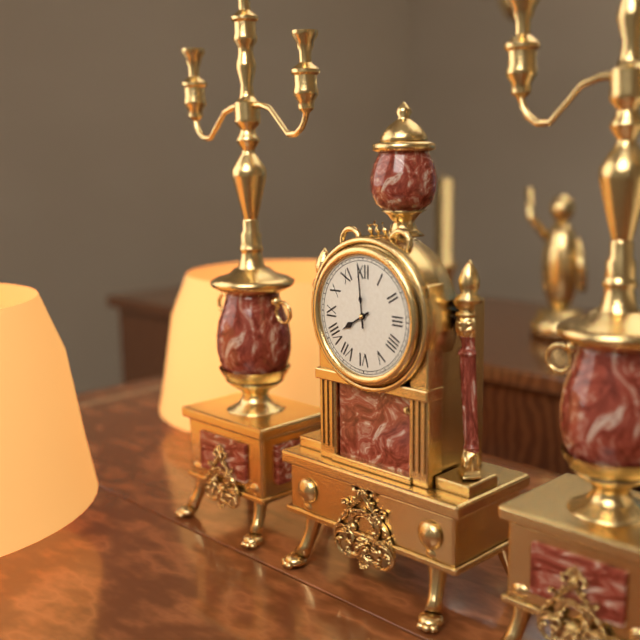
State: 7 h 59 min
